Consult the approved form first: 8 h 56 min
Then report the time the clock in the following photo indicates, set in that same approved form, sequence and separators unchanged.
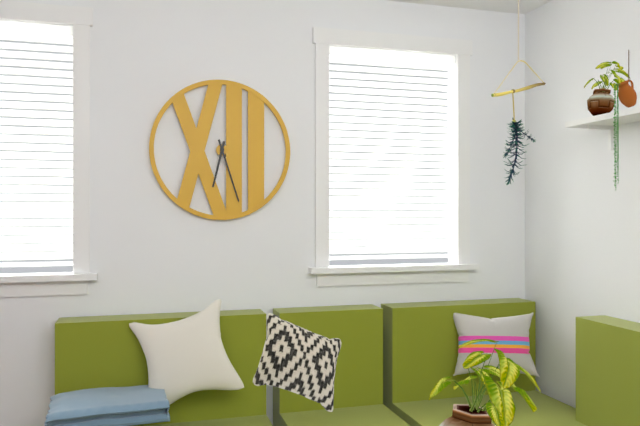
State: 6 h 27 min
